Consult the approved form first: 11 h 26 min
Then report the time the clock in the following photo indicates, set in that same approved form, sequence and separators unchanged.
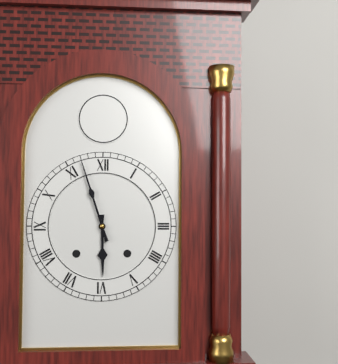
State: 5 h 57 min
